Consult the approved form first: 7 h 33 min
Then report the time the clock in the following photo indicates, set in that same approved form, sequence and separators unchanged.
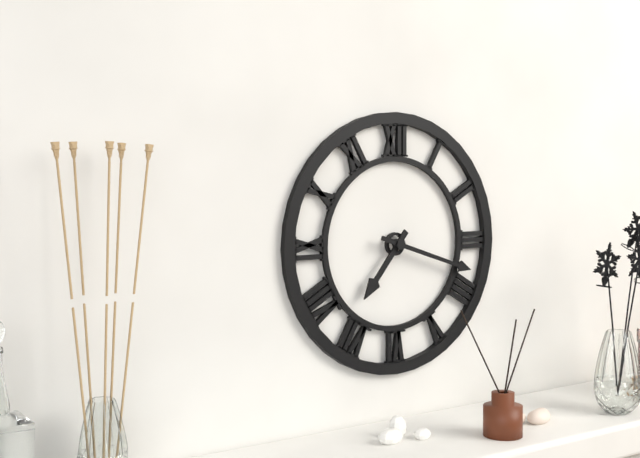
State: 7 h 18 min
